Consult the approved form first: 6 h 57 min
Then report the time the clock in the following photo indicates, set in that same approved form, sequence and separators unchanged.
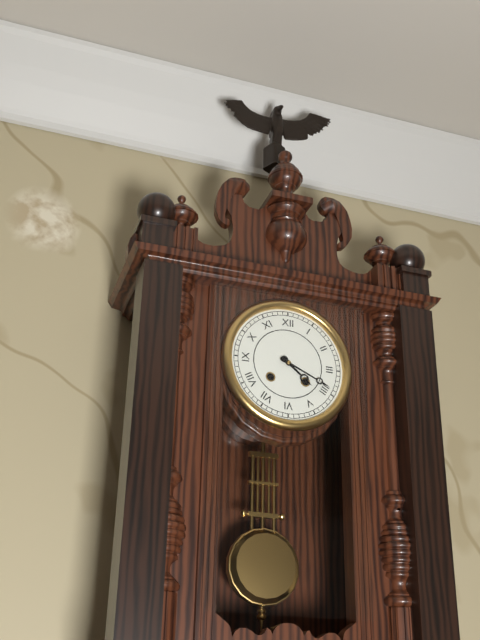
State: 4 h 19 min
